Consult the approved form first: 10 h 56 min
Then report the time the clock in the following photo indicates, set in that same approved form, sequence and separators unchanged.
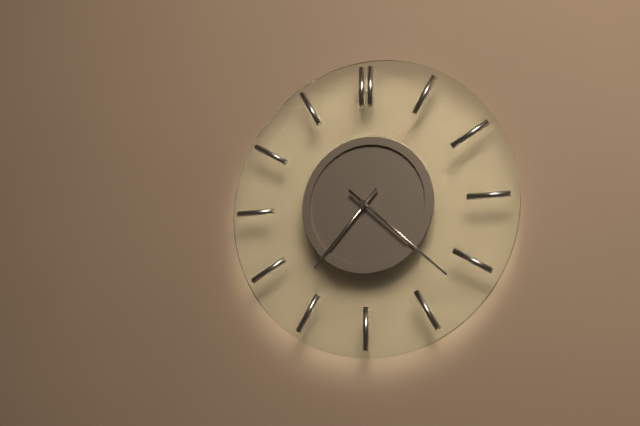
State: 7 h 22 min
